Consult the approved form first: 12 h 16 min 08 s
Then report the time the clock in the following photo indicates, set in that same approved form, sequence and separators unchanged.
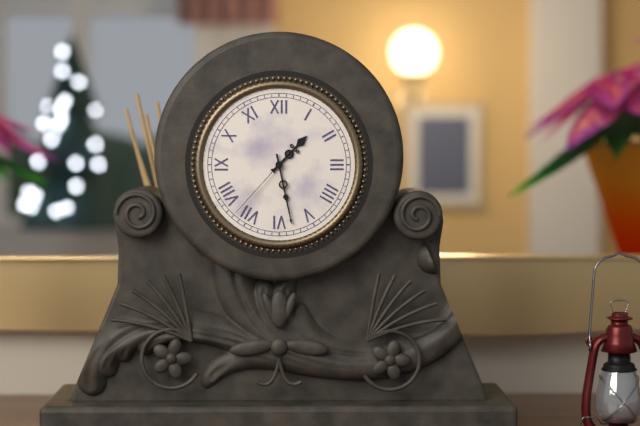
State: 1 h 28 min 37 s
